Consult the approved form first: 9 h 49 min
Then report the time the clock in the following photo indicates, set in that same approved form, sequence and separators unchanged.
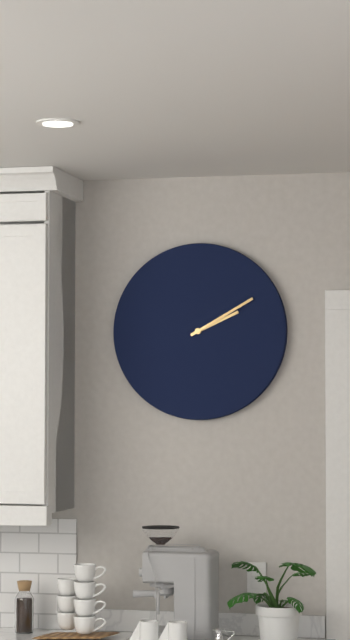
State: 2 h 10 min
